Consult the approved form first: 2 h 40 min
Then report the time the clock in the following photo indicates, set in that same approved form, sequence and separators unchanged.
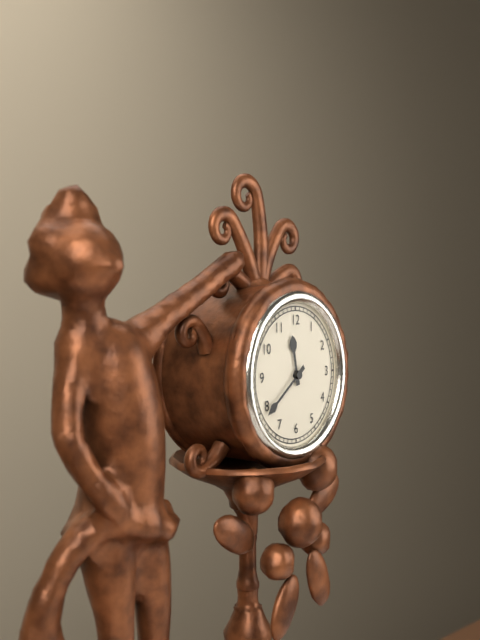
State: 11 h 39 min
